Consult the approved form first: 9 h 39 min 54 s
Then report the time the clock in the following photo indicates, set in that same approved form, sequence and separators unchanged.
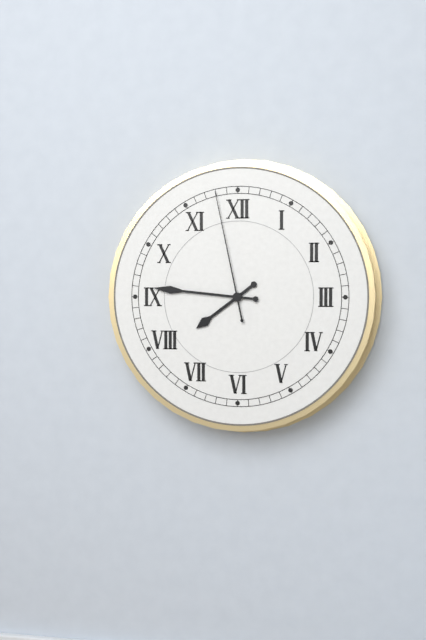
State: 7 h 46 min 58 s
